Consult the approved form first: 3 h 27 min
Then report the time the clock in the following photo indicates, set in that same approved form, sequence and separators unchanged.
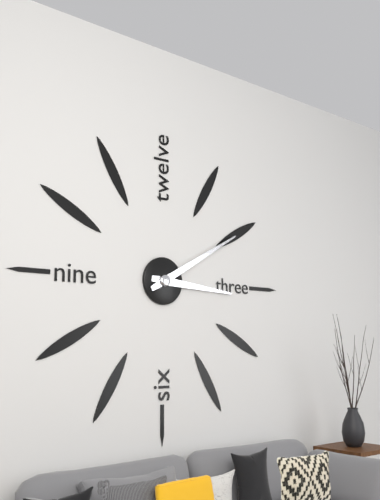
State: 3 h 10 min
